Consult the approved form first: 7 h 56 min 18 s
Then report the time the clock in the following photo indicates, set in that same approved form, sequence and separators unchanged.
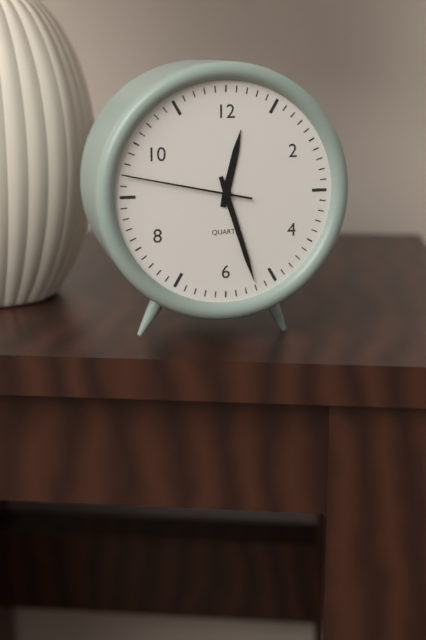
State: 12 h 27 min 47 s
